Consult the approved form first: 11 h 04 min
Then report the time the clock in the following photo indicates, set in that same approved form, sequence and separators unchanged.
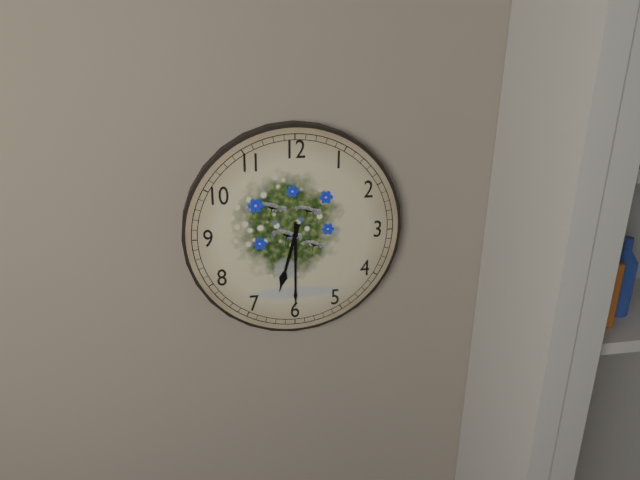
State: 6 h 30 min
